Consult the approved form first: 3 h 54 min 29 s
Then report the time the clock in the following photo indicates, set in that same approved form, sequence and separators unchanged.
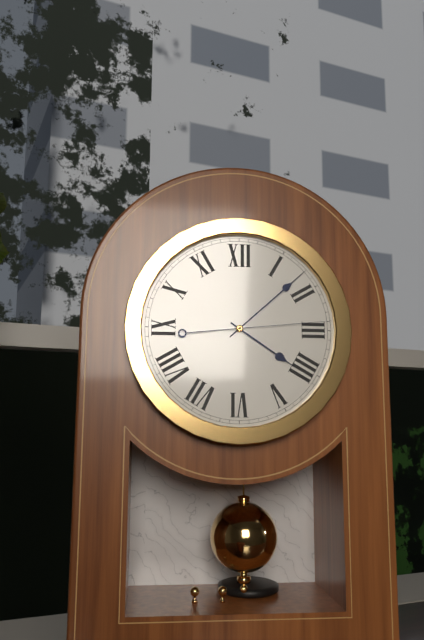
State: 4 h 08 min 14 s
